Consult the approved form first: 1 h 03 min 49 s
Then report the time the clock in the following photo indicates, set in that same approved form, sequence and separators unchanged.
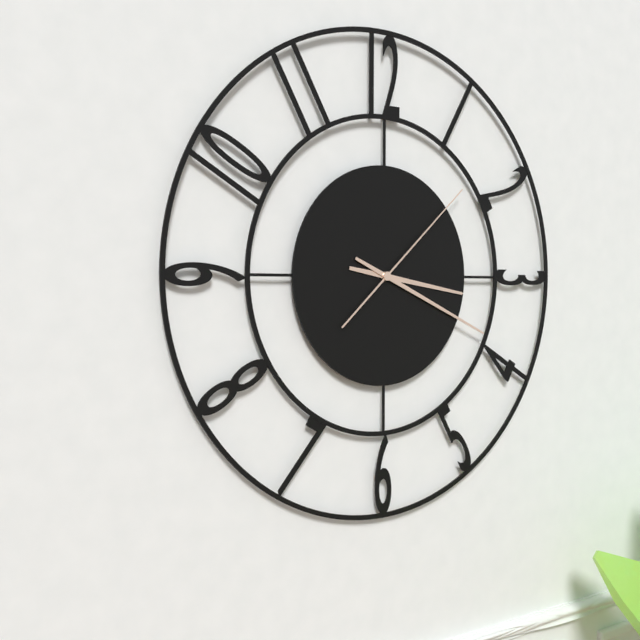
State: 3 h 19 min 08 s
